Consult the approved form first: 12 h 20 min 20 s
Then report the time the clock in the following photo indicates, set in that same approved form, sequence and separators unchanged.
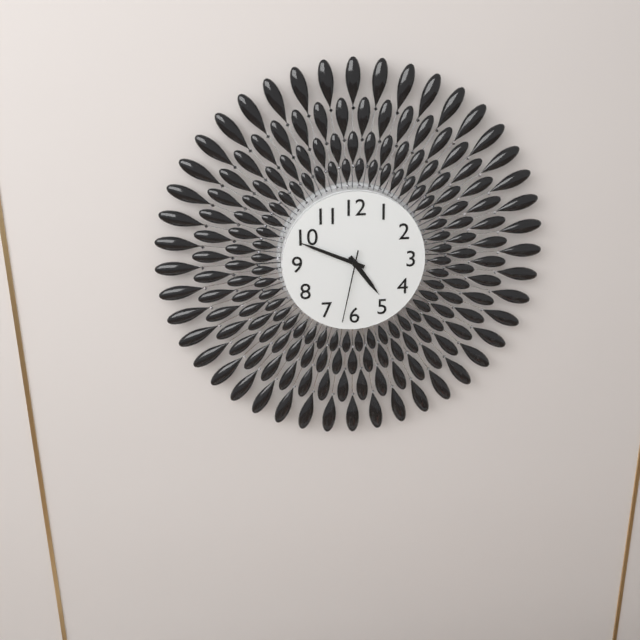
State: 4 h 49 min 32 s
